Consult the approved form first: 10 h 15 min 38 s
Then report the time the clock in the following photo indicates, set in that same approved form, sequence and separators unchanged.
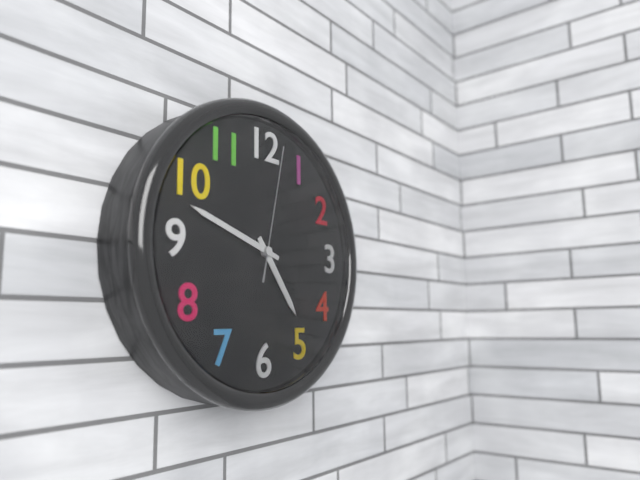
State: 4 h 48 min 02 s
